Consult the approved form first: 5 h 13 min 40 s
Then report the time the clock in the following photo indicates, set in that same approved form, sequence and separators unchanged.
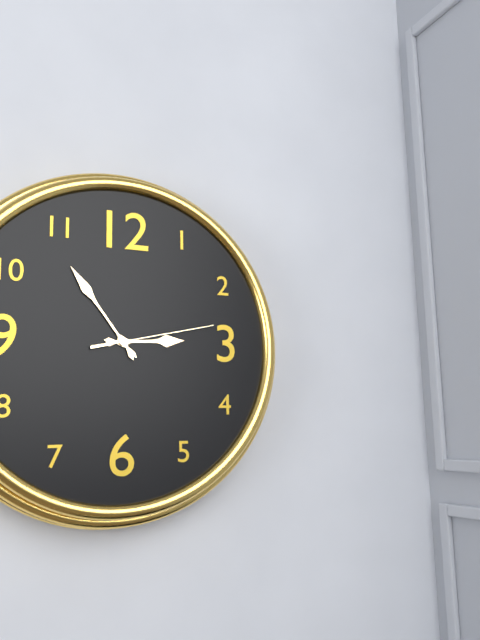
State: 2 h 54 min 13 s
